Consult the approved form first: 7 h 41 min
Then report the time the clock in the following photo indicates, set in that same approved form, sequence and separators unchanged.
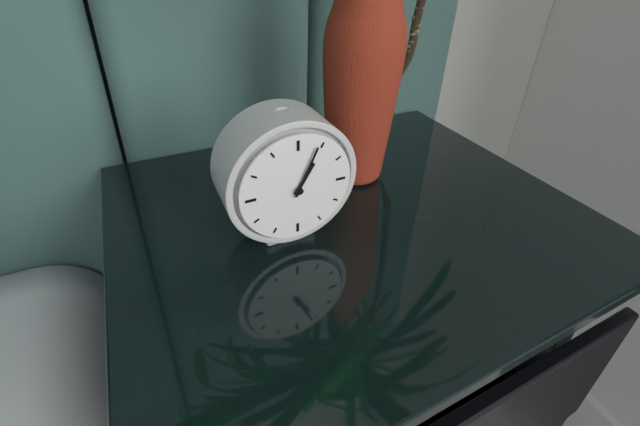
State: 1 h 04 min
